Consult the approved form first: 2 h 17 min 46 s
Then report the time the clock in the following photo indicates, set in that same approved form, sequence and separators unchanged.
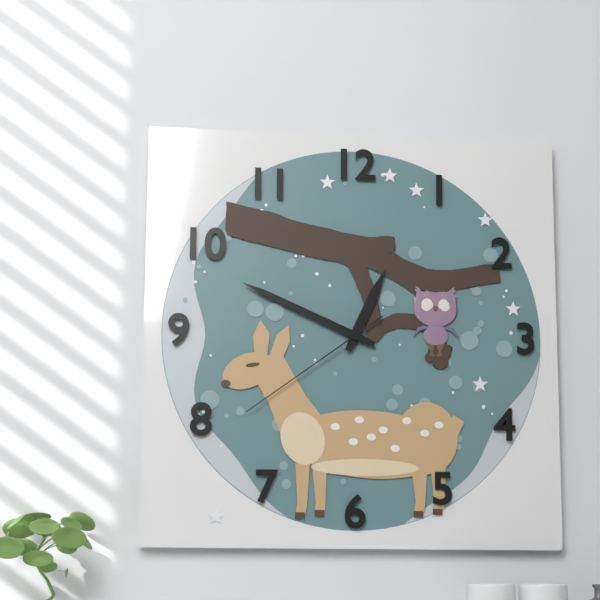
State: 12 h 49 min 39 s
